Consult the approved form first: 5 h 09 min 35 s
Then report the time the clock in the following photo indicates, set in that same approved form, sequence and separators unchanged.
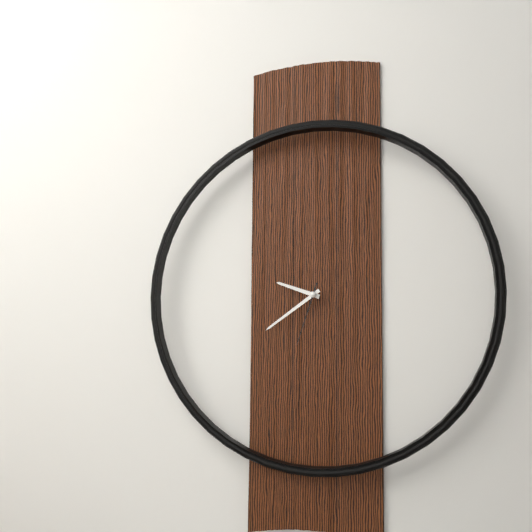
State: 9 h 39 min 33 s
